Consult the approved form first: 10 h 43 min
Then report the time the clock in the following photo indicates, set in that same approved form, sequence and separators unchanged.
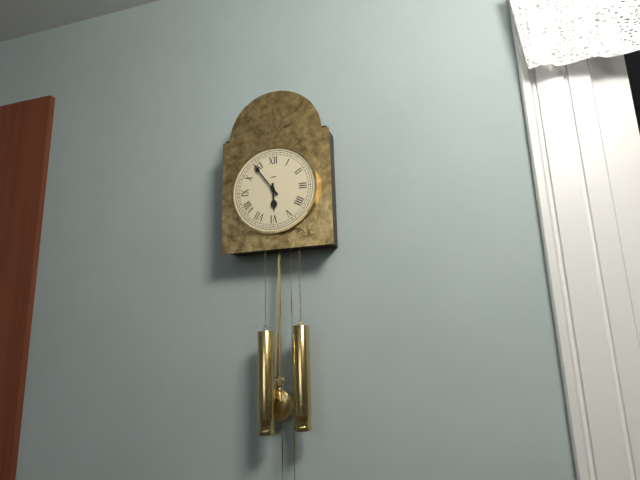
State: 5 h 54 min
